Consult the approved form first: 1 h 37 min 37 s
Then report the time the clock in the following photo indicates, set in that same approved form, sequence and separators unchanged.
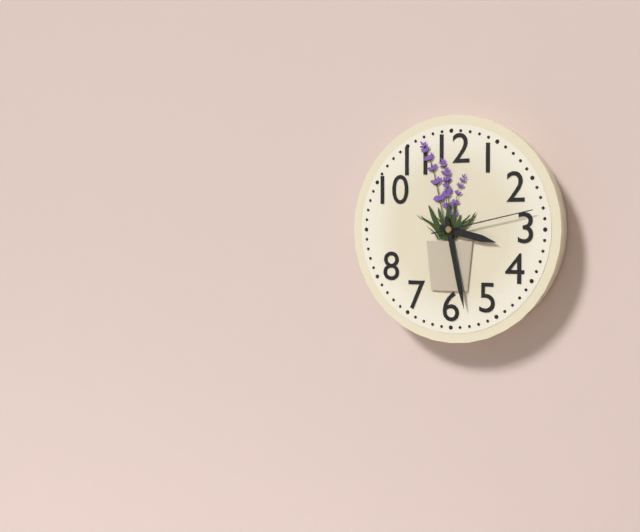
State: 3 h 28 min 13 s
